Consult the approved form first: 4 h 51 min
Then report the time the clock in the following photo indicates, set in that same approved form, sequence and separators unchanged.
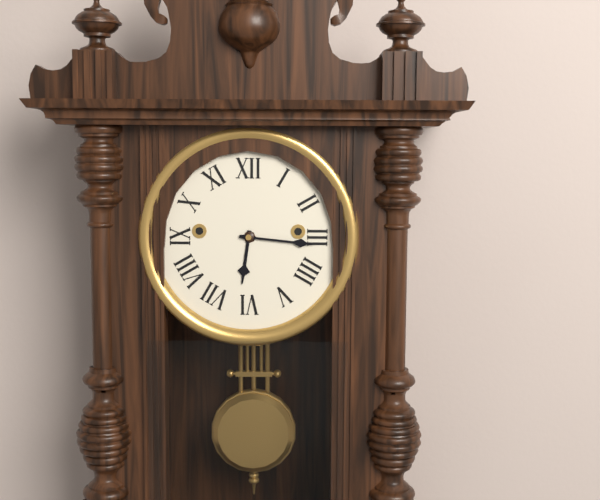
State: 6 h 16 min
